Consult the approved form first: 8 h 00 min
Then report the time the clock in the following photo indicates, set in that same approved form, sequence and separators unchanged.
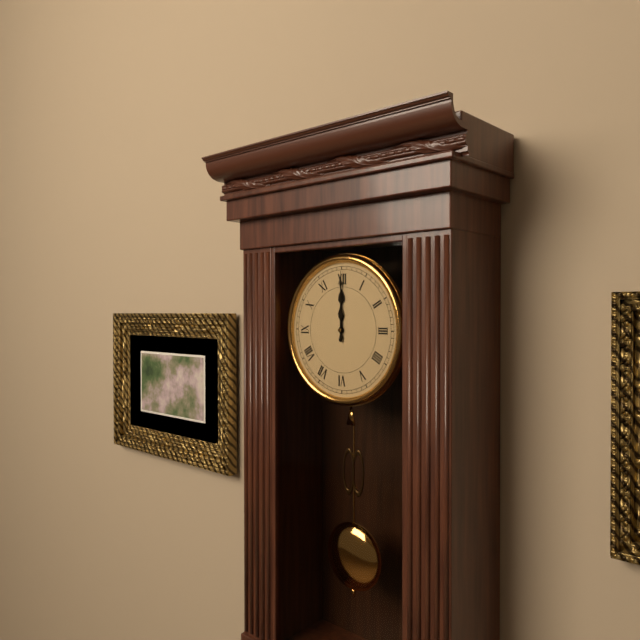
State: 12 h 00 min
